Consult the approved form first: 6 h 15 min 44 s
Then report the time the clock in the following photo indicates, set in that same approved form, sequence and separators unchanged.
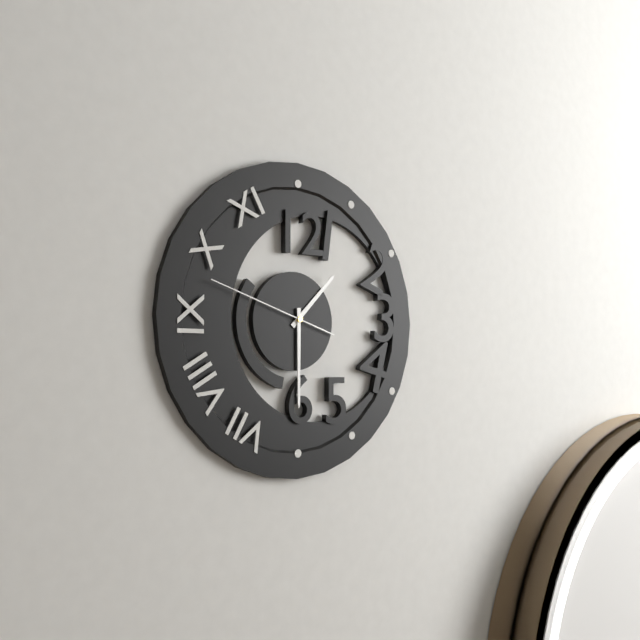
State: 1 h 30 min 48 s
